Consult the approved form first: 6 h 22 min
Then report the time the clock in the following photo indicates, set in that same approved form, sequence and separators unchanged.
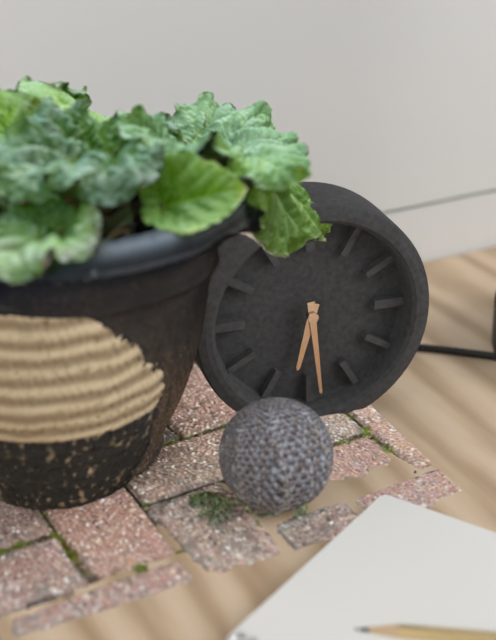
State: 6 h 29 min
